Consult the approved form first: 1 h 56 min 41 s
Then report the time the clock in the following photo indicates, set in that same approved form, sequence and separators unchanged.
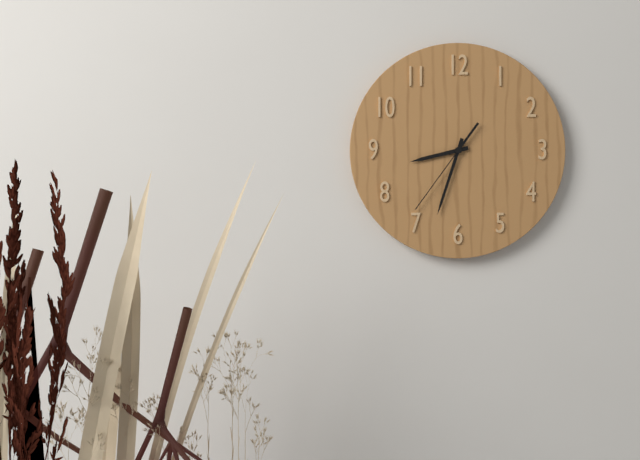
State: 8 h 33 min 36 s
